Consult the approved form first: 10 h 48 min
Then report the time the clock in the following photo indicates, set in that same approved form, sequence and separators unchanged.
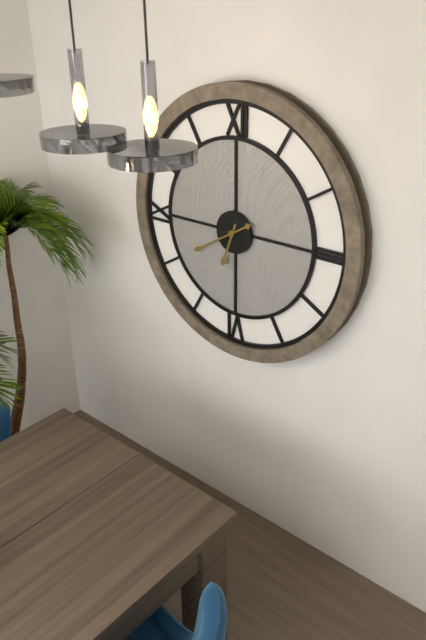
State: 6 h 40 min
